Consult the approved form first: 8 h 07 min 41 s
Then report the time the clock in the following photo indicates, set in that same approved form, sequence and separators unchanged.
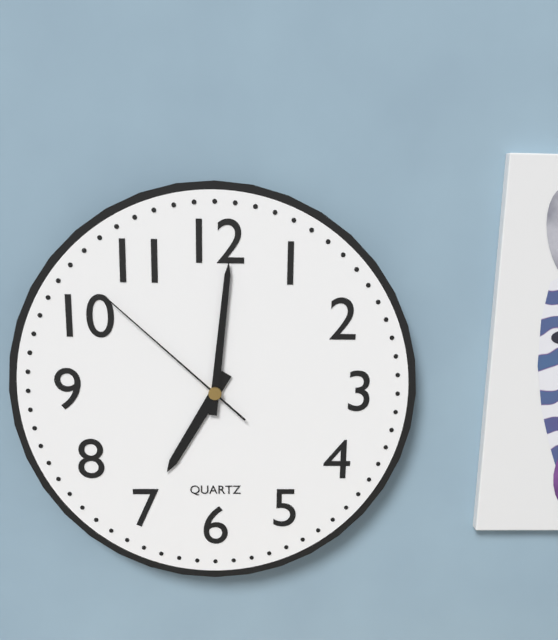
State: 7 h 01 min 52 s
